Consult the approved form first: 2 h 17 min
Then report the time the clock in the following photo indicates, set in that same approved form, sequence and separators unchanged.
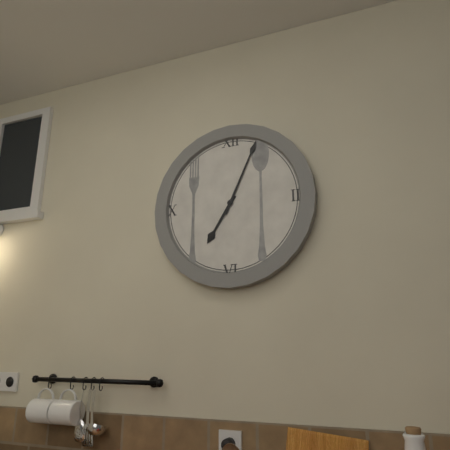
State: 7 h 04 min
